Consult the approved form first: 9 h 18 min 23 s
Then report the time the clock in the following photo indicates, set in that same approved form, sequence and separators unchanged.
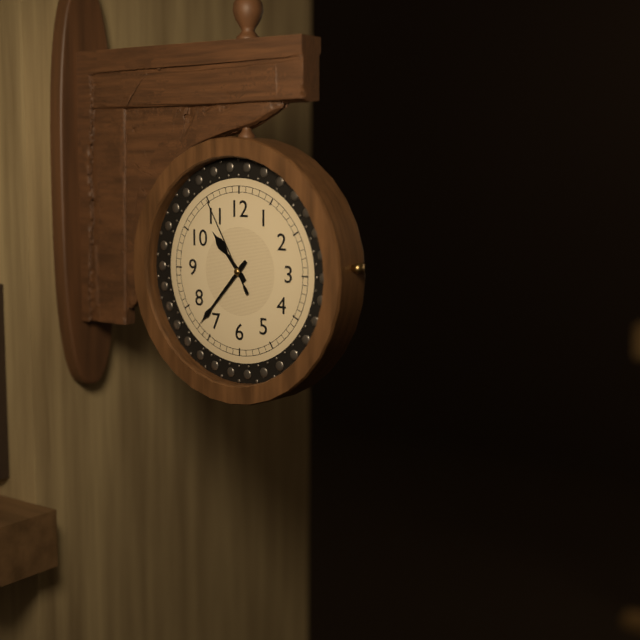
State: 10 h 37 min 55 s
